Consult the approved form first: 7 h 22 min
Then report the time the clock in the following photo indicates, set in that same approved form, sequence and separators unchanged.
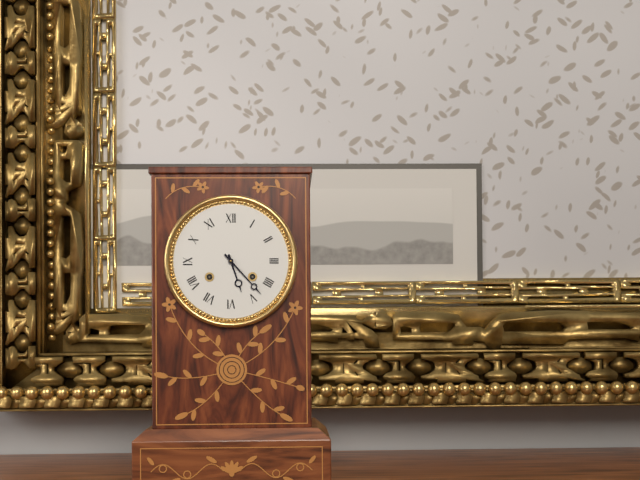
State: 5 h 23 min
